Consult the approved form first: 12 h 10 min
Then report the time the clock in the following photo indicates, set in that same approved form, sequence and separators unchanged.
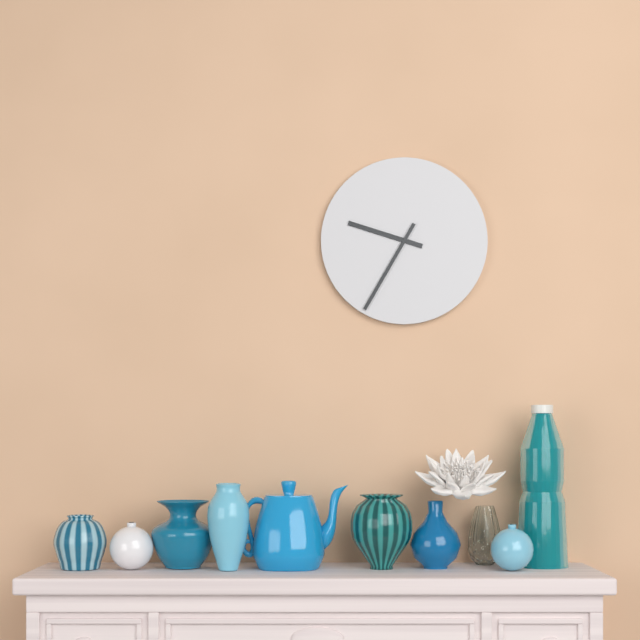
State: 9 h 35 min
